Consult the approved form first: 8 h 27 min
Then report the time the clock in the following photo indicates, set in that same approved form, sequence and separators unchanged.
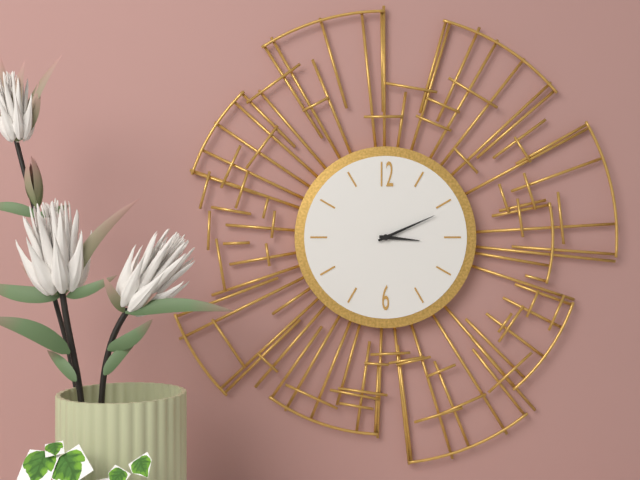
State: 3 h 11 min
